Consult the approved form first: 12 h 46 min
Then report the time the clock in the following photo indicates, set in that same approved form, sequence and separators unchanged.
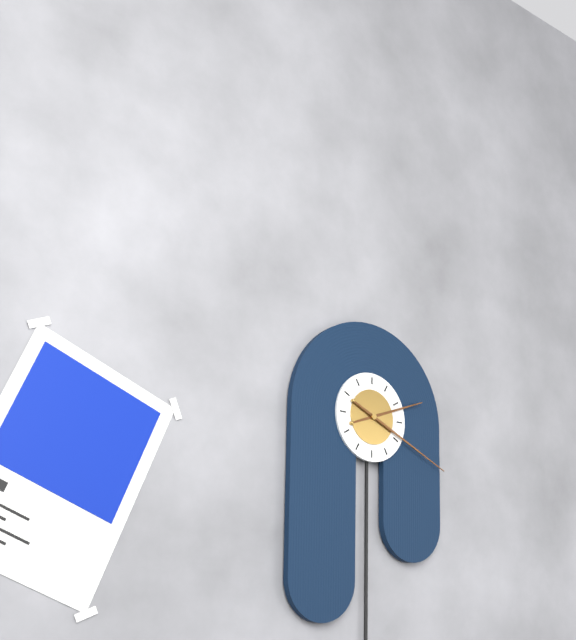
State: 2 h 19 min
